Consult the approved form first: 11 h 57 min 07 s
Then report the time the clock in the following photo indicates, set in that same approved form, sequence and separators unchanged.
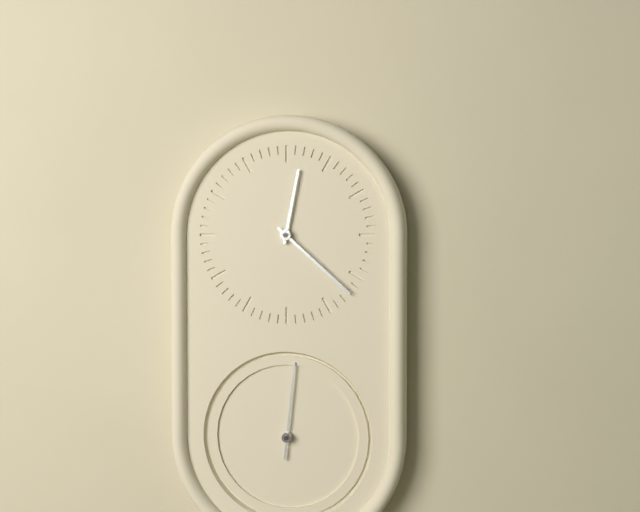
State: 12 h 22 min 01 s
